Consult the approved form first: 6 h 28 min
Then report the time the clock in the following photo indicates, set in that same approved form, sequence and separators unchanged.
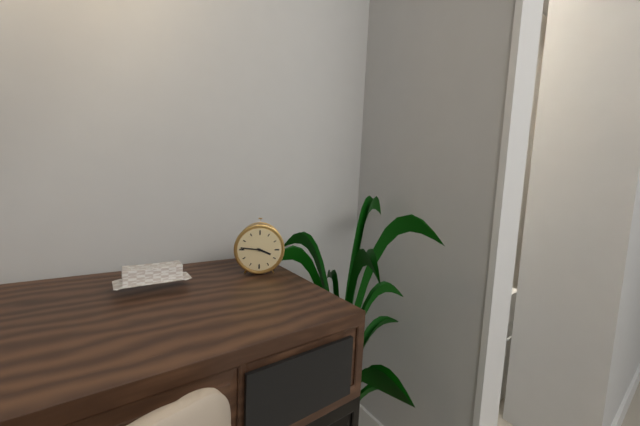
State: 3 h 46 min
